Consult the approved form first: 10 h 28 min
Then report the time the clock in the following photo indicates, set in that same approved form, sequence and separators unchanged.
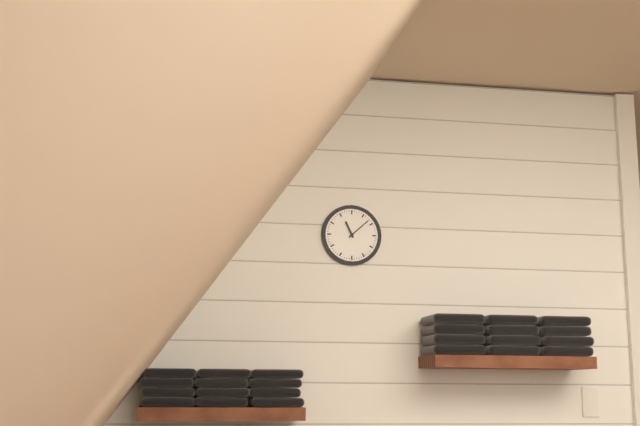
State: 11 h 08 min
